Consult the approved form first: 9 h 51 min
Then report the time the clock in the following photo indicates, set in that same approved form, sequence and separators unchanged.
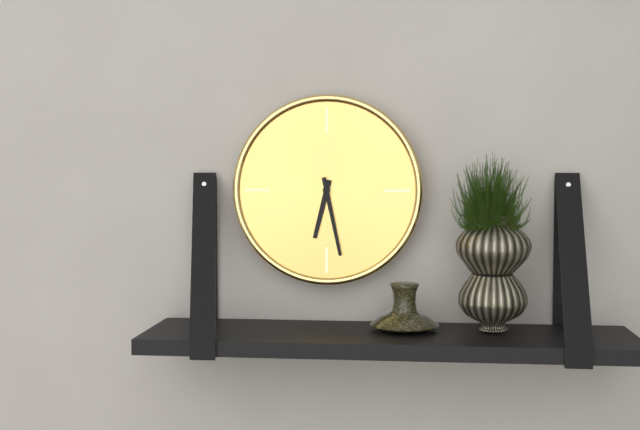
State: 6 h 28 min
